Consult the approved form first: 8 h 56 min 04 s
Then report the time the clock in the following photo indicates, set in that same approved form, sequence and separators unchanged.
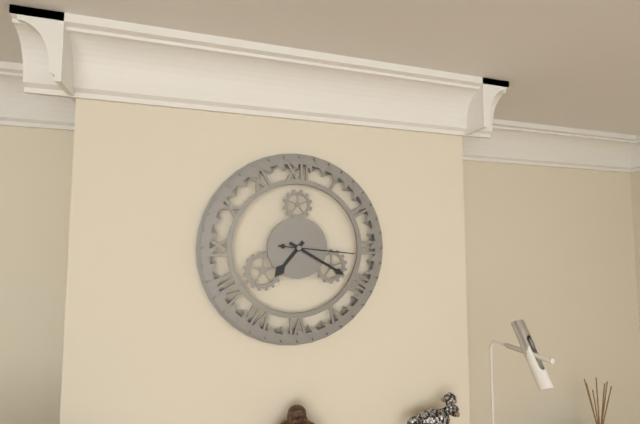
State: 7 h 20 min 16 s
